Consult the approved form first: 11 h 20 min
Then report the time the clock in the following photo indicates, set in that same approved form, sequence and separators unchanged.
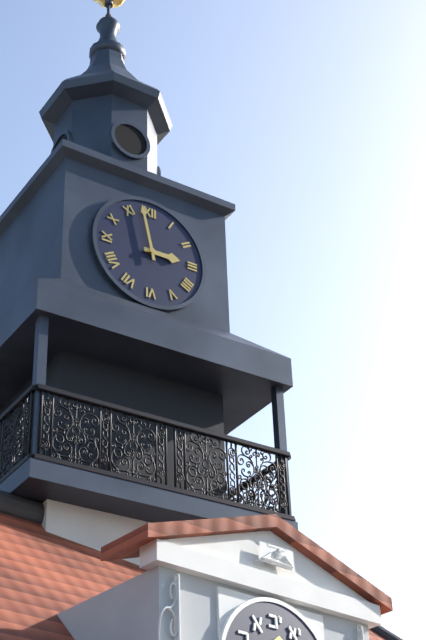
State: 2 h 58 min
